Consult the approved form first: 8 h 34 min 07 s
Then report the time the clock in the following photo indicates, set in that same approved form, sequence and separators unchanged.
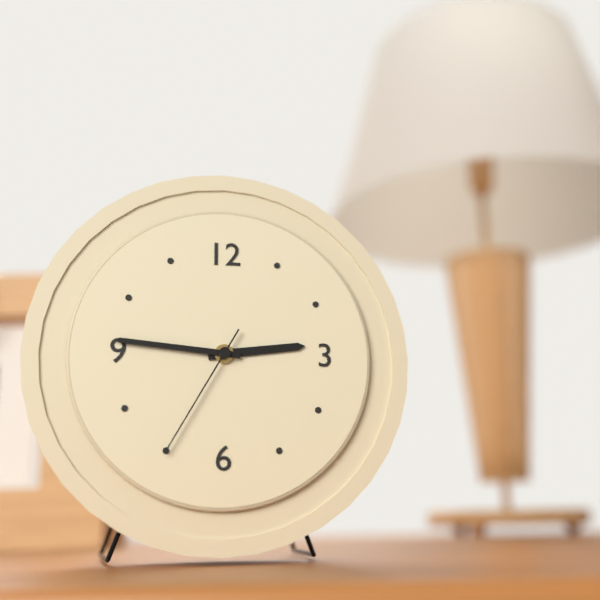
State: 2 h 46 min 35 s
